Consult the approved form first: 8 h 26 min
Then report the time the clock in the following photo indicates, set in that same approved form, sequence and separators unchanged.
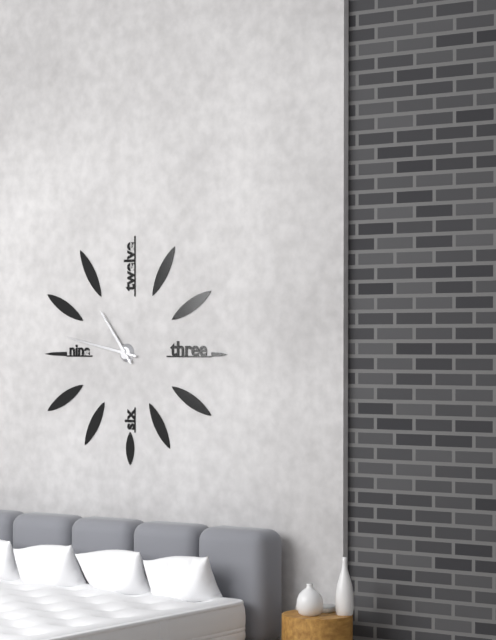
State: 10 h 47 min
